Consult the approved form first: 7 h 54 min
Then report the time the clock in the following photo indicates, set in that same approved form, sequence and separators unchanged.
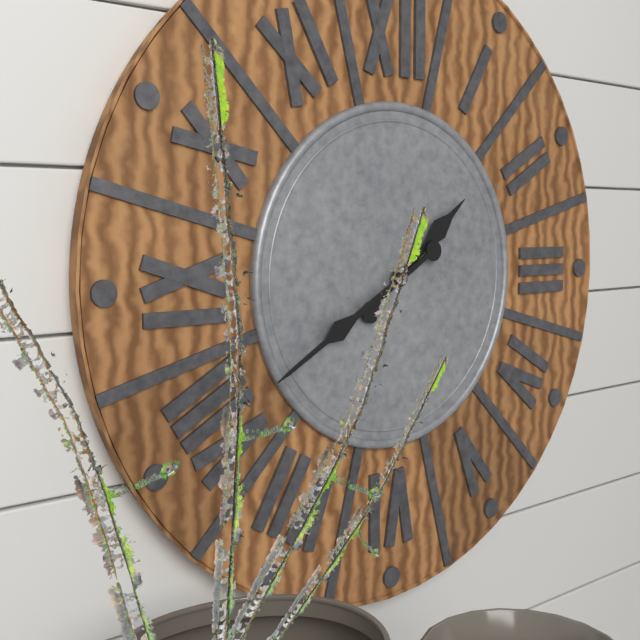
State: 1 h 40 min
